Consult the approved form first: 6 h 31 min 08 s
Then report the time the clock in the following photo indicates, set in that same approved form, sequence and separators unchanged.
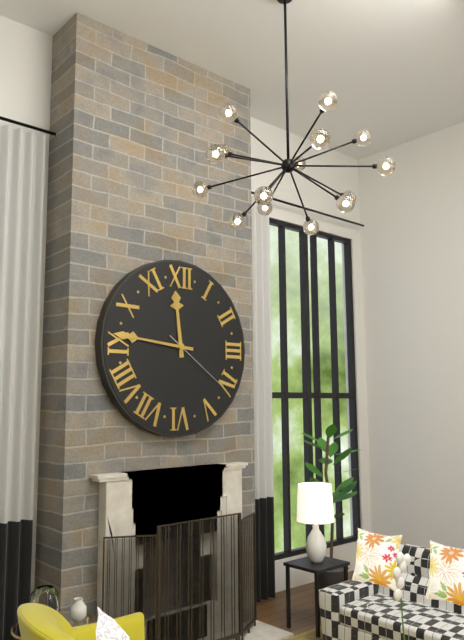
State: 11 h 46 min 21 s
